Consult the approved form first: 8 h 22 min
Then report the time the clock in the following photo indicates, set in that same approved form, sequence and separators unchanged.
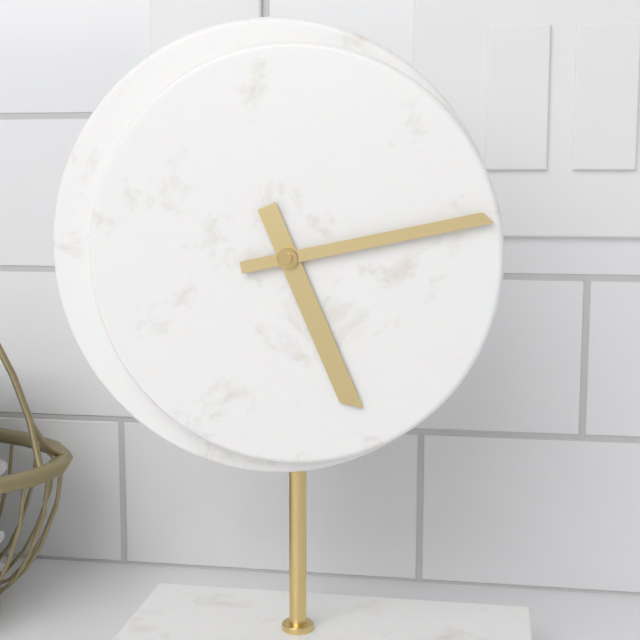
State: 5 h 13 min
